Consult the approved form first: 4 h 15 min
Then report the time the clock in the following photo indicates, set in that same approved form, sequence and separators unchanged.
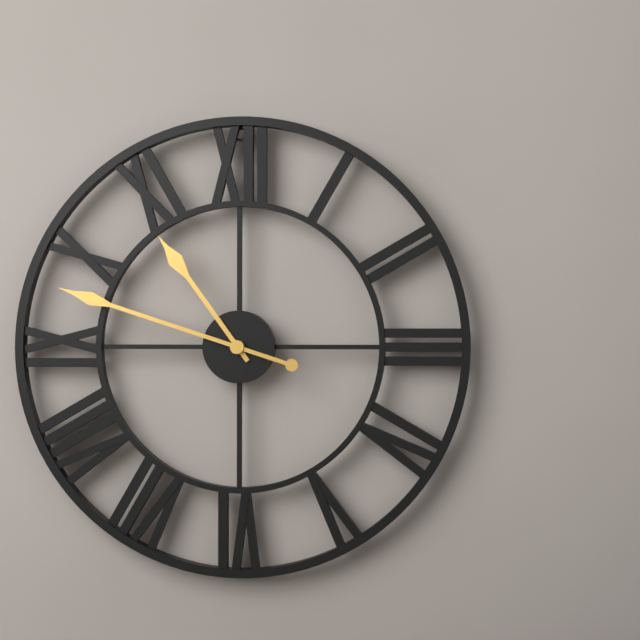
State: 10 h 48 min
